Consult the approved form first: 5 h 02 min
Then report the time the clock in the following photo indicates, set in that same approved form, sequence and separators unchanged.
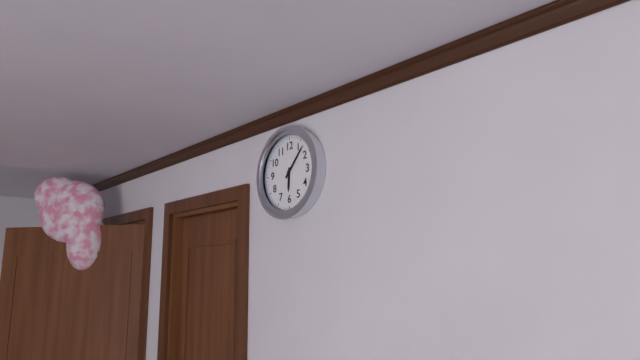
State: 6 h 07 min
